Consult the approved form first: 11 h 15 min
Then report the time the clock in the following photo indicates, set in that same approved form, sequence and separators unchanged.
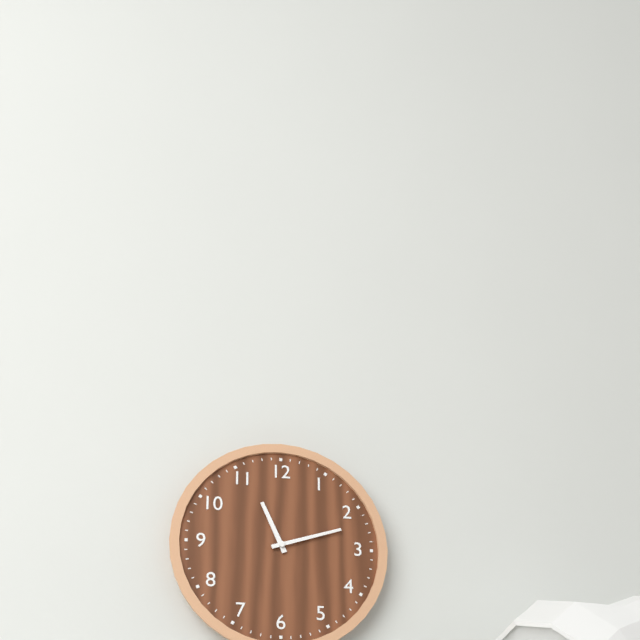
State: 11 h 12 min
